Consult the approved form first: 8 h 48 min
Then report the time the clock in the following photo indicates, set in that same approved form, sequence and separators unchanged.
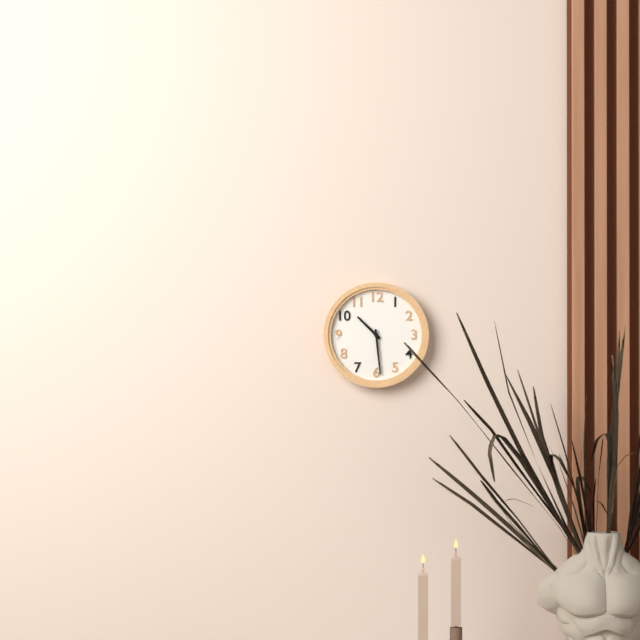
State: 10 h 29 min
